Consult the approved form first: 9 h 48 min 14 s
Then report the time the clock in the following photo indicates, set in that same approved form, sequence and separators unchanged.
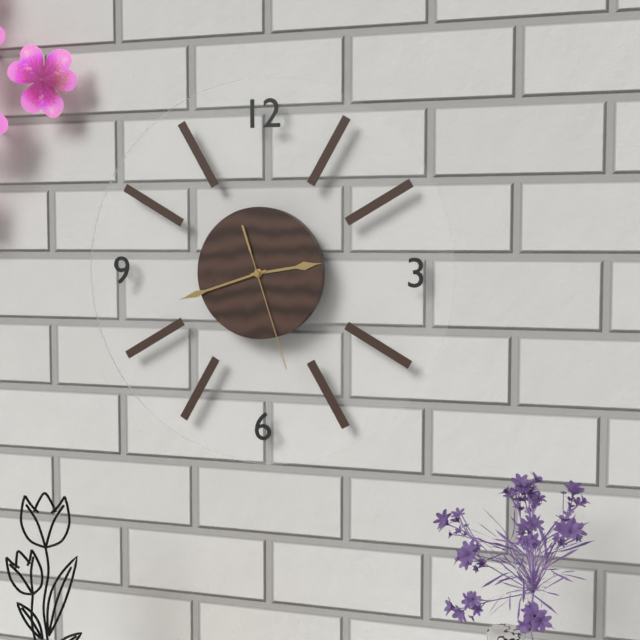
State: 2 h 42 min 27 s
